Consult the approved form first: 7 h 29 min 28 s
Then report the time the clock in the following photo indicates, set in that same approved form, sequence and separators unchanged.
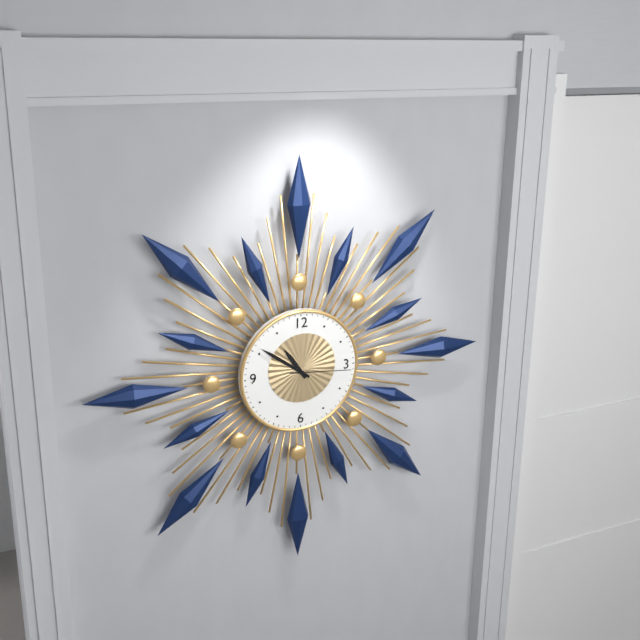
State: 10 h 51 min 16 s
